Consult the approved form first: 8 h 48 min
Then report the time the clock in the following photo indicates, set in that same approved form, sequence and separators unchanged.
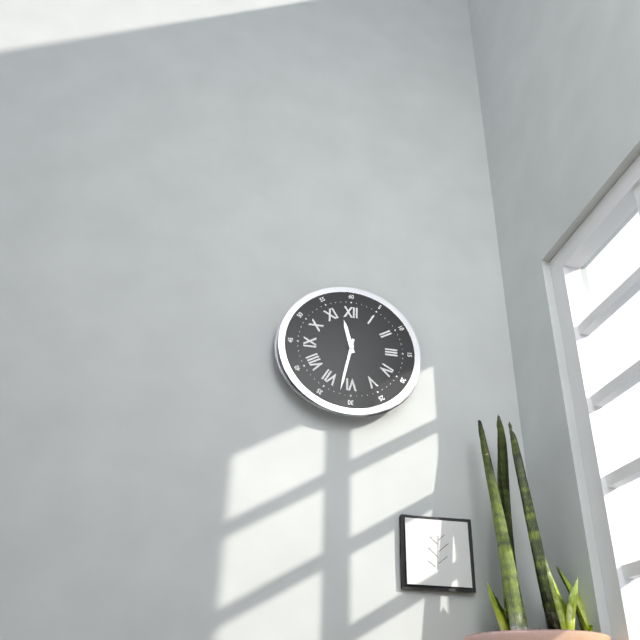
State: 11 h 32 min
